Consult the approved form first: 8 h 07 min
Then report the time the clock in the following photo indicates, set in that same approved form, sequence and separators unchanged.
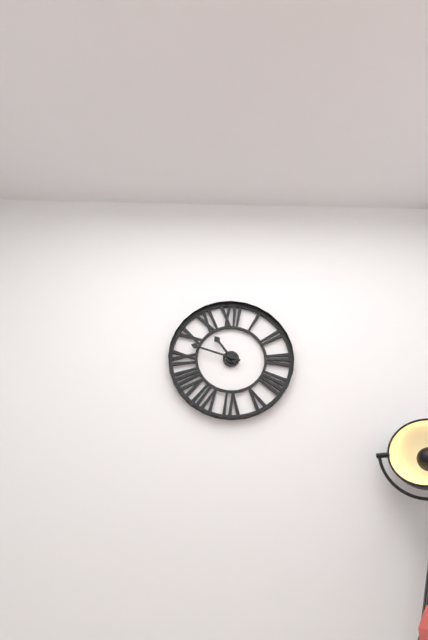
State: 10 h 48 min
